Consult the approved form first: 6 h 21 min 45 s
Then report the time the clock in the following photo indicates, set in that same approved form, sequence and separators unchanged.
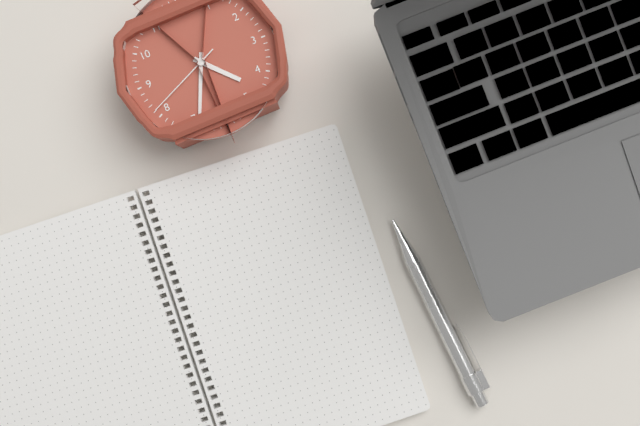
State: 4 h 34 min 41 s
